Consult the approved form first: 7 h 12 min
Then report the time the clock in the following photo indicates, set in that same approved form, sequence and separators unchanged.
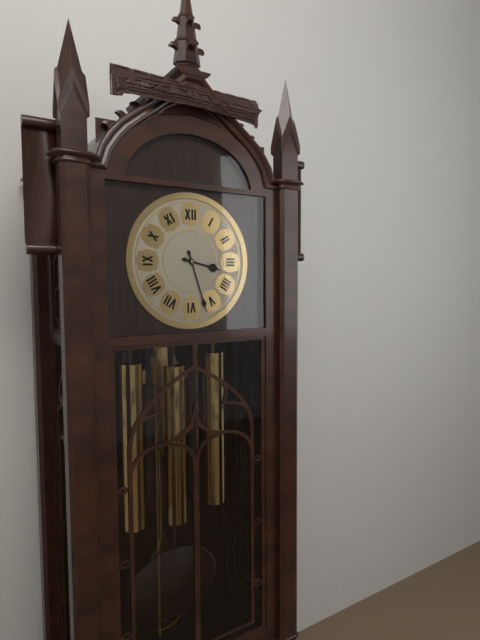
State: 3 h 27 min
